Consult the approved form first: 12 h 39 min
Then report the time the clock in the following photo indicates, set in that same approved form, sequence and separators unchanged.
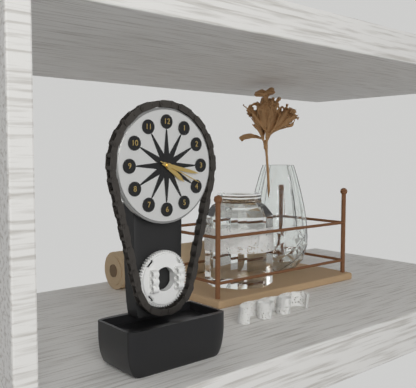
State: 4 h 17 min
